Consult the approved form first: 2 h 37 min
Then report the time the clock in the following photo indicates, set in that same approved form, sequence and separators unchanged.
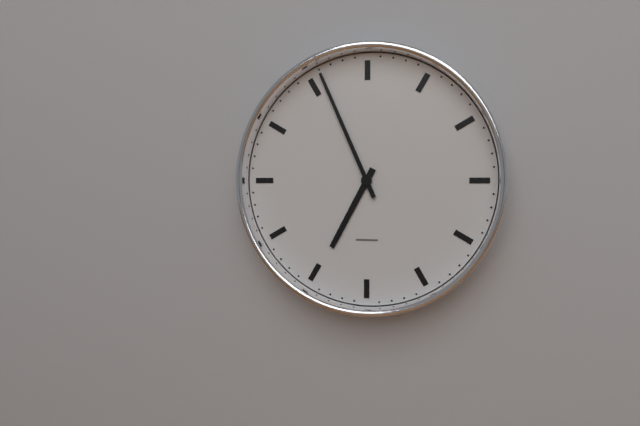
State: 6 h 56 min
